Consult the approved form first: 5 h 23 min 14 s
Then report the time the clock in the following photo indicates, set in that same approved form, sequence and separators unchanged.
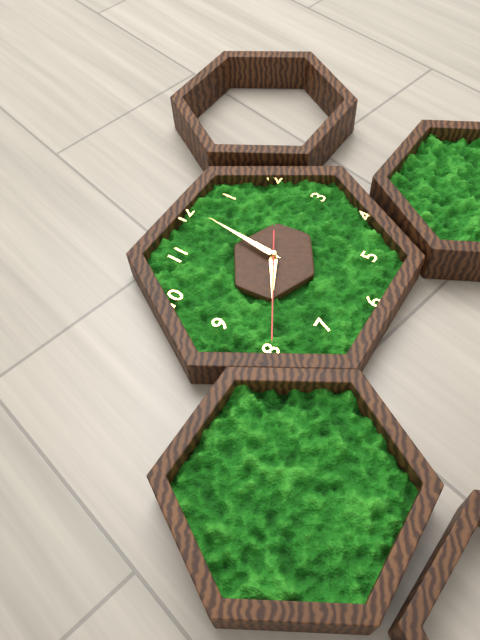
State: 8 h 01 min 40 s
